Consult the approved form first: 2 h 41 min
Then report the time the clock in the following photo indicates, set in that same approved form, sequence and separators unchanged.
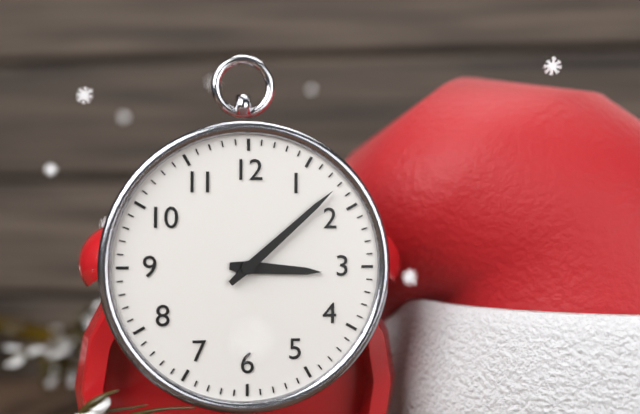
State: 3 h 08 min
